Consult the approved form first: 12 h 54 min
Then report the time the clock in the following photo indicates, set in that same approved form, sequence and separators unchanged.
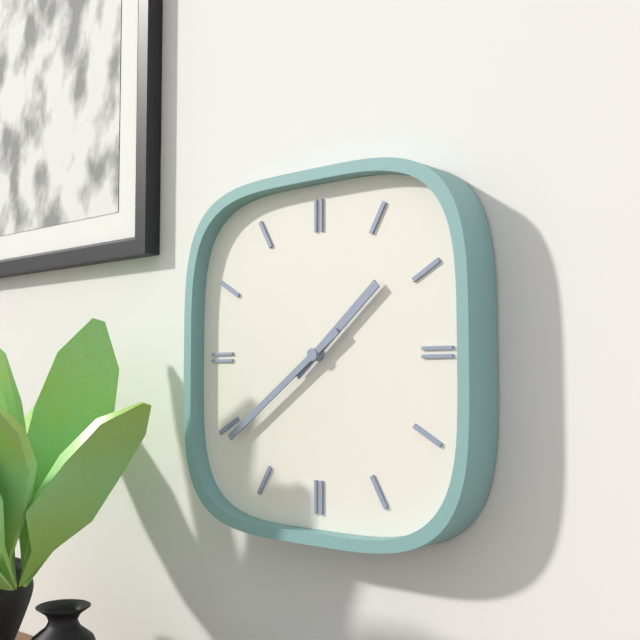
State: 1 h 39 min
